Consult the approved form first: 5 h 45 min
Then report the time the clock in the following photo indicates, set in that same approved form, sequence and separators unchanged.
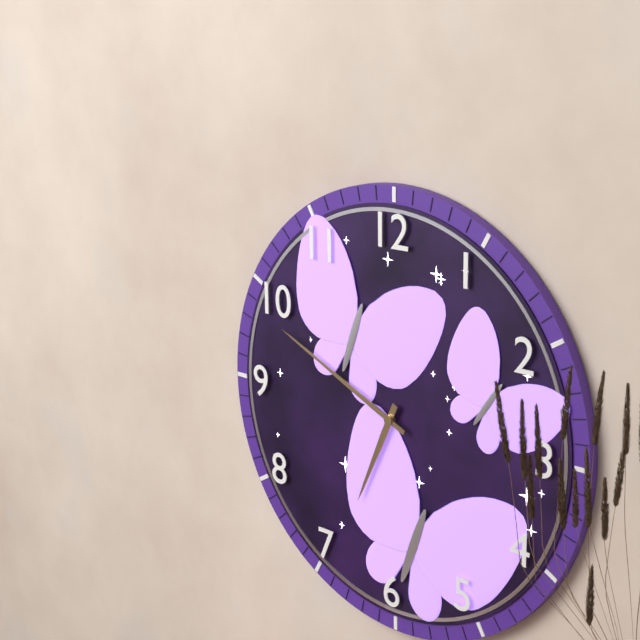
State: 6 h 49 min
